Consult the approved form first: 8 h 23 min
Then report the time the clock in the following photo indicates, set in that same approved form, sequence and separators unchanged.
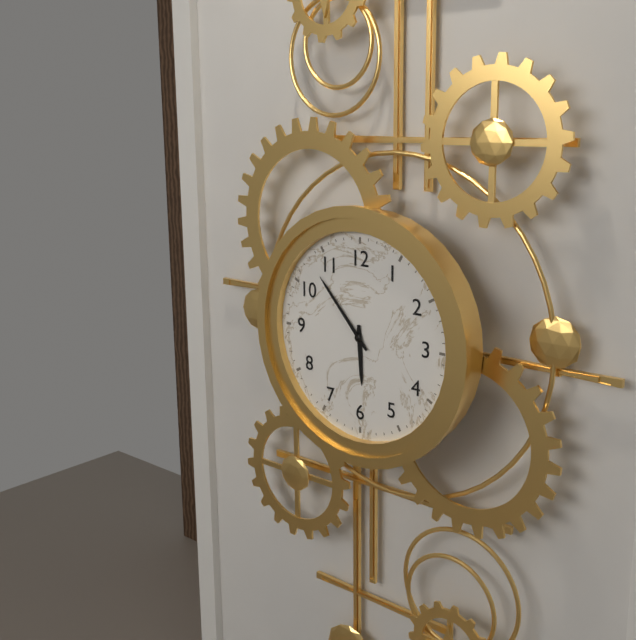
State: 5 h 53 min
